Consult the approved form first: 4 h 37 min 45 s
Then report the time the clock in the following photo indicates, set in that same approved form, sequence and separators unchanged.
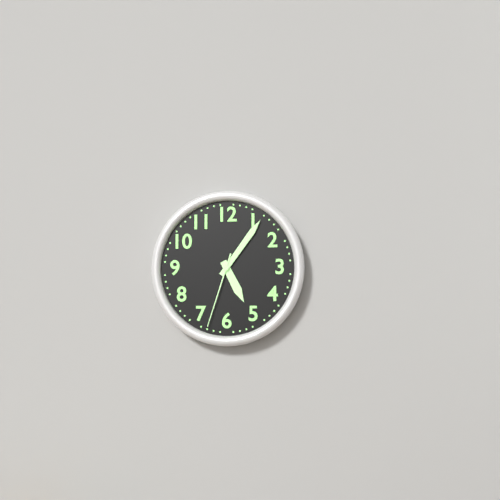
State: 5 h 06 min 33 s
